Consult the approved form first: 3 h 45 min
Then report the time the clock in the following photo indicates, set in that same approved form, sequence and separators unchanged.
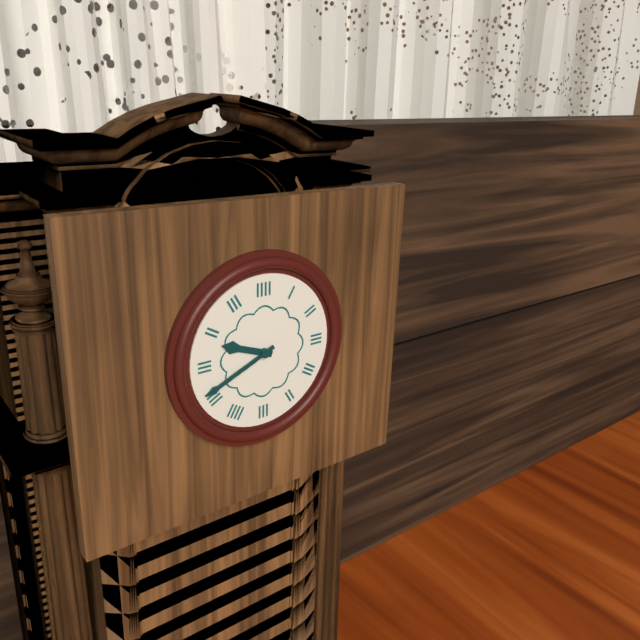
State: 9 h 41 min
